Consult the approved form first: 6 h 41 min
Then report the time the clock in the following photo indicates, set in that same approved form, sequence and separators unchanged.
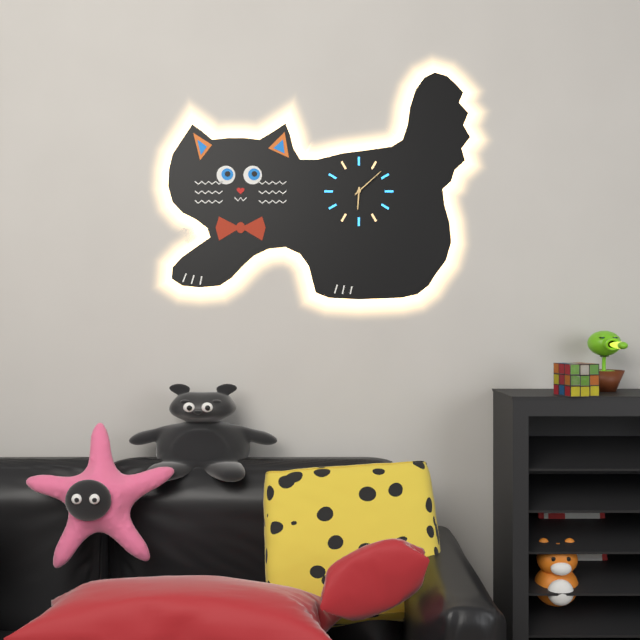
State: 6 h 08 min
